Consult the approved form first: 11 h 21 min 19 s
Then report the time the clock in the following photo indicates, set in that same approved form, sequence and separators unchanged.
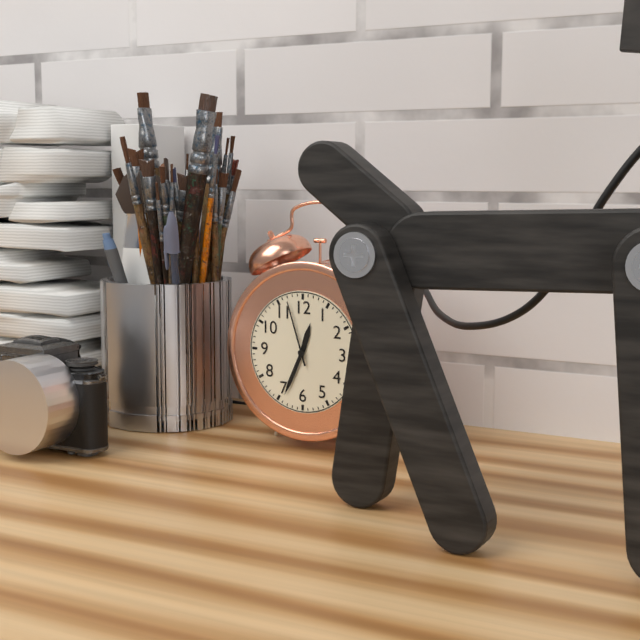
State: 12 h 34 min 57 s
